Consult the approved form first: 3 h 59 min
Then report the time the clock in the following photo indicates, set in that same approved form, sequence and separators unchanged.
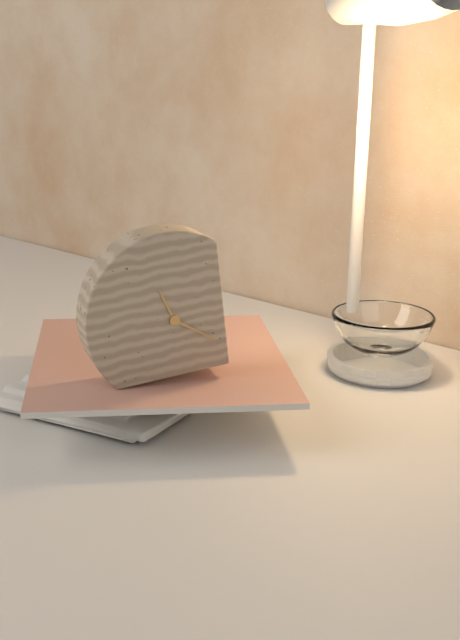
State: 11 h 21 min
